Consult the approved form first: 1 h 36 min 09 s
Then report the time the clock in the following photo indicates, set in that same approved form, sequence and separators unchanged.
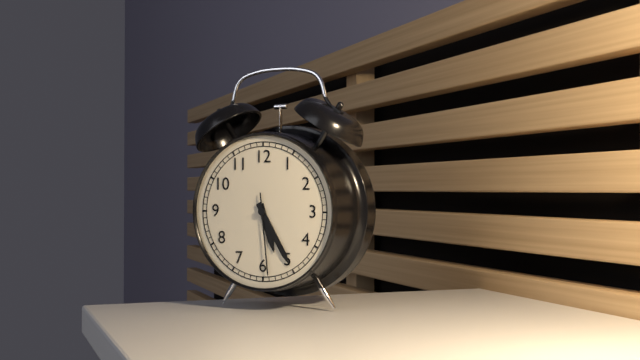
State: 5 h 25 min 29 s
